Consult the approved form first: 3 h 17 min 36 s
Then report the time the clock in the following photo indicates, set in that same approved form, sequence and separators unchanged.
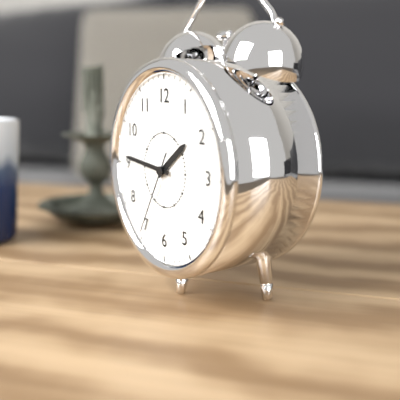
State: 1 h 46 min 35 s
